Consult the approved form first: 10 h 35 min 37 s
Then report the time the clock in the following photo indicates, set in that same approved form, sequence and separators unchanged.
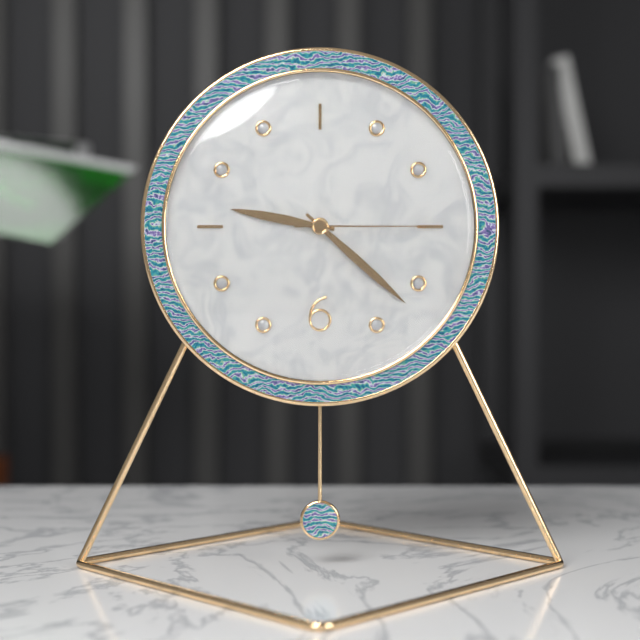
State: 9 h 22 min 15 s
